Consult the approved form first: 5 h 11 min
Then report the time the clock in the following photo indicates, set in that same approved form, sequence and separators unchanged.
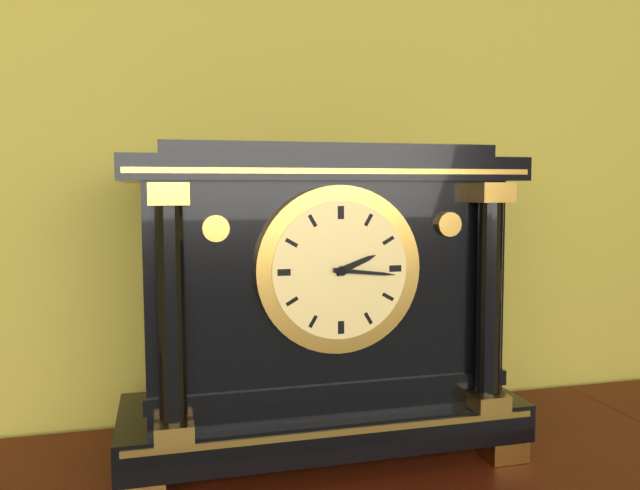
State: 2 h 16 min
